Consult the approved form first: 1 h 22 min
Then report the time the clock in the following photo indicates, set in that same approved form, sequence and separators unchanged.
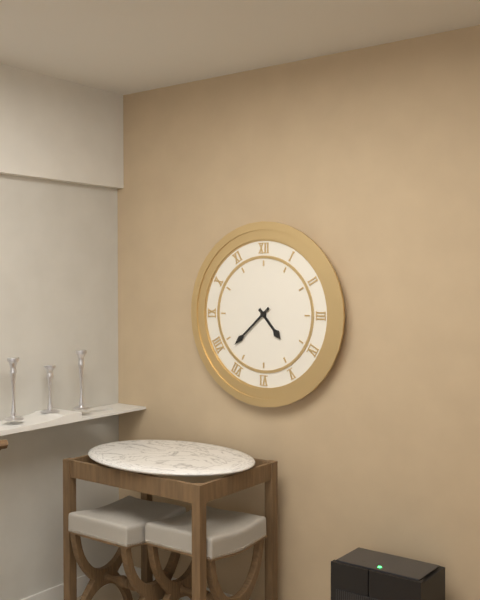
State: 4 h 38 min
